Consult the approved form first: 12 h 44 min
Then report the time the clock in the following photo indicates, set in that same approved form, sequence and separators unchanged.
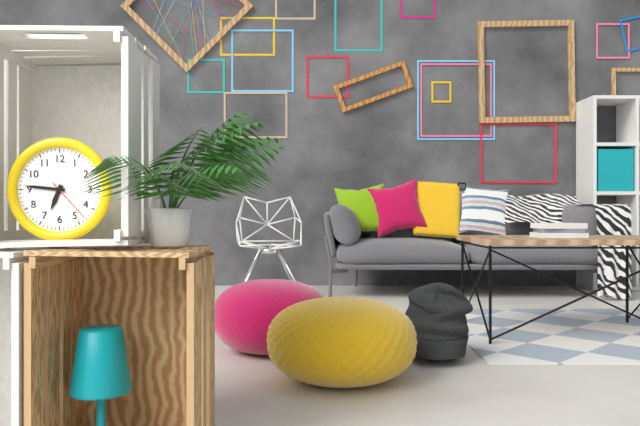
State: 6 h 46 min
